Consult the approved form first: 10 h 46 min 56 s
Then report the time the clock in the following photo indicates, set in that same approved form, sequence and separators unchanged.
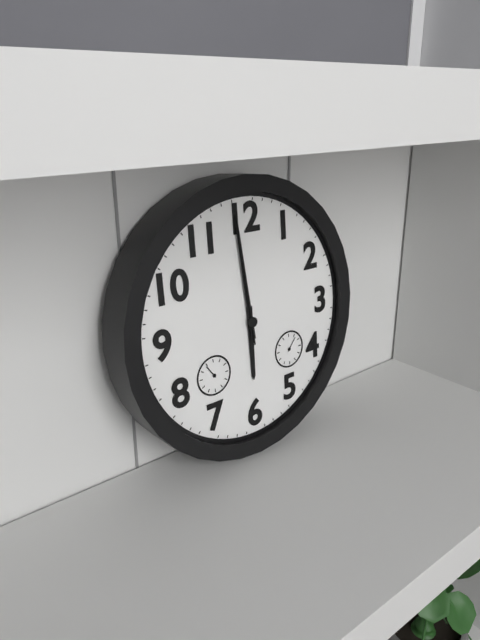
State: 5 h 59 min 59 s
